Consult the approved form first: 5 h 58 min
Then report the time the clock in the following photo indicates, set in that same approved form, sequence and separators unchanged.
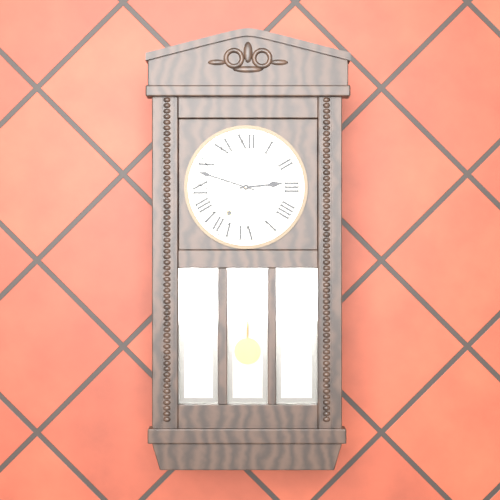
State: 2 h 48 min
